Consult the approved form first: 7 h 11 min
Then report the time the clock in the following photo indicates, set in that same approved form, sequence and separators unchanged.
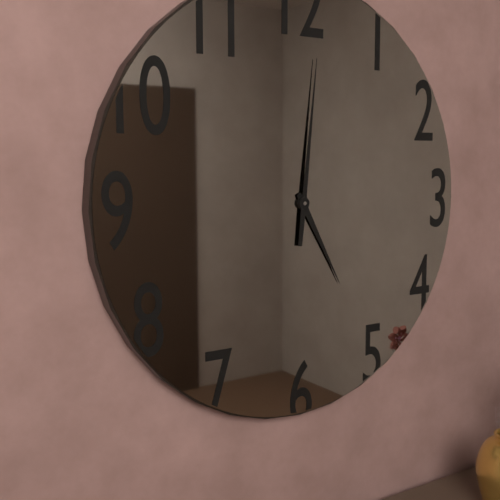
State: 5 h 01 min
